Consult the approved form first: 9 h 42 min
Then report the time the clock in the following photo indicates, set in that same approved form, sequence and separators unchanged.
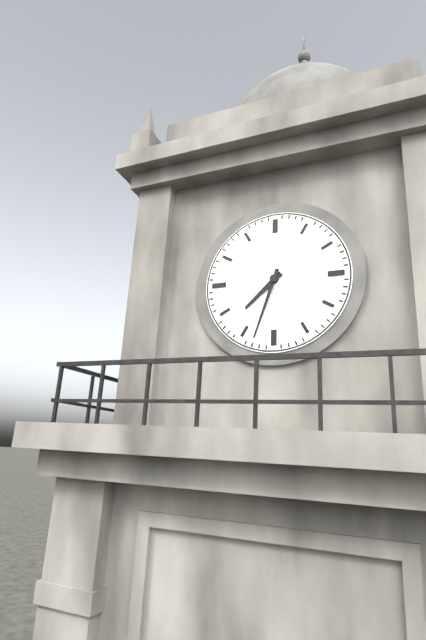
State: 7 h 33 min
